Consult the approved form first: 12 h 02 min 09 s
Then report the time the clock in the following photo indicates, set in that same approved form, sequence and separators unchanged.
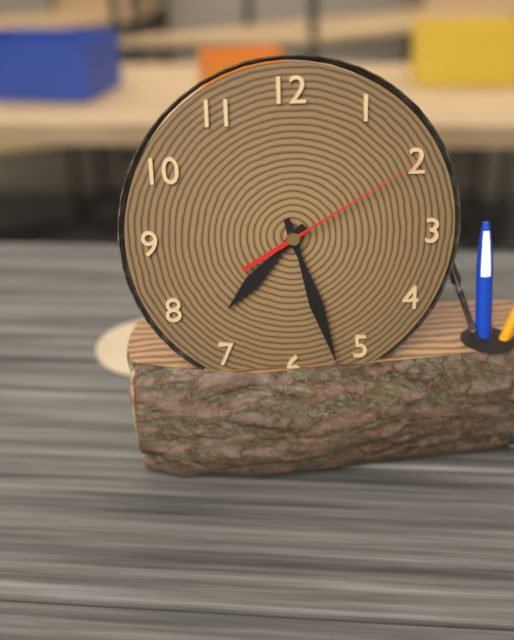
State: 7 h 27 min 10 s
